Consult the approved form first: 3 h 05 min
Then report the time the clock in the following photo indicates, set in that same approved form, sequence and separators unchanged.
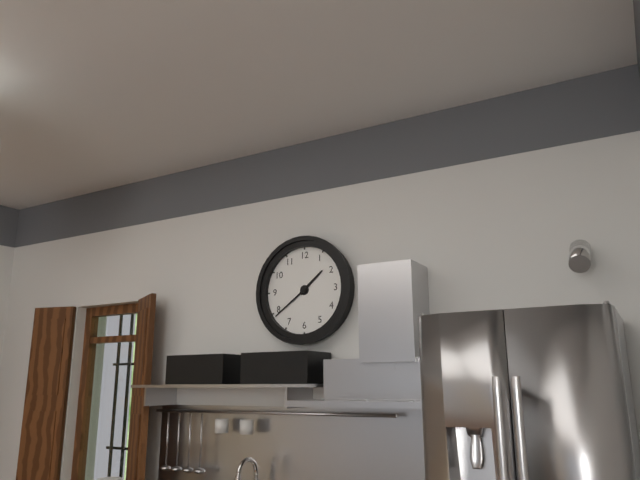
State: 1 h 39 min
